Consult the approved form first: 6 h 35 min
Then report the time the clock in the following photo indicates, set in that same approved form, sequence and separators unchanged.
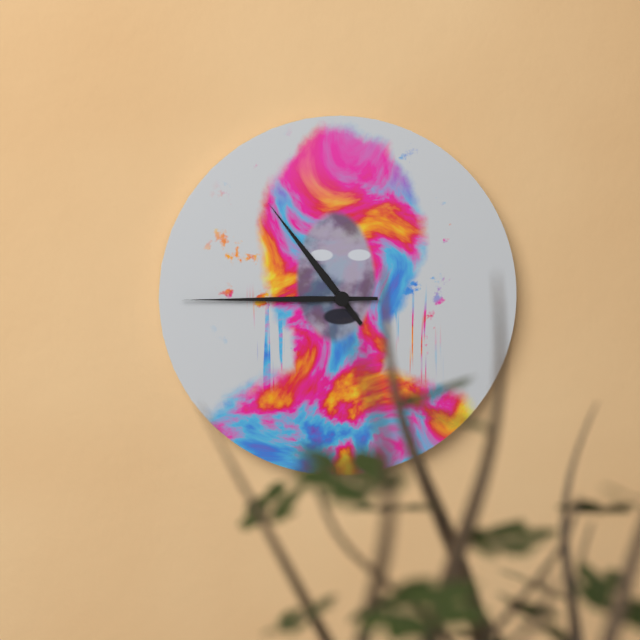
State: 10 h 45 min
